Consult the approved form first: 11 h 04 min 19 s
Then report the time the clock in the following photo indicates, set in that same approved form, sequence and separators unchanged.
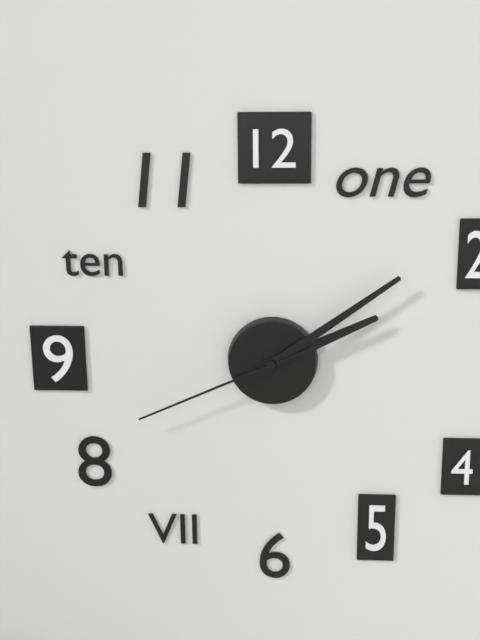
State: 2 h 09 min 41 s
